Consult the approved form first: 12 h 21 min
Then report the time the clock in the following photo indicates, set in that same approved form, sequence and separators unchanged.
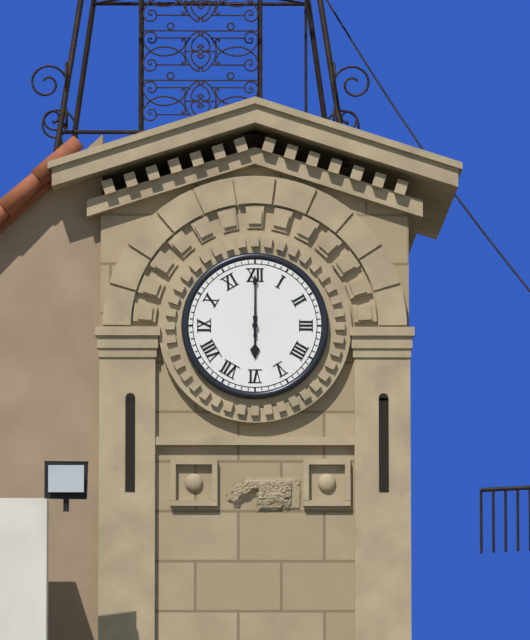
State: 6 h 00 min
